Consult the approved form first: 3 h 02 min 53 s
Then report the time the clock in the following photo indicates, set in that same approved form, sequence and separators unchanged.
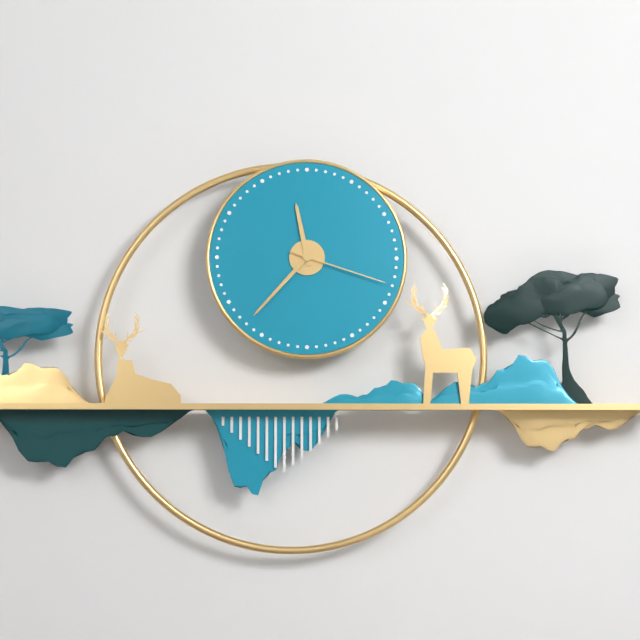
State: 11 h 37 min 18 s
